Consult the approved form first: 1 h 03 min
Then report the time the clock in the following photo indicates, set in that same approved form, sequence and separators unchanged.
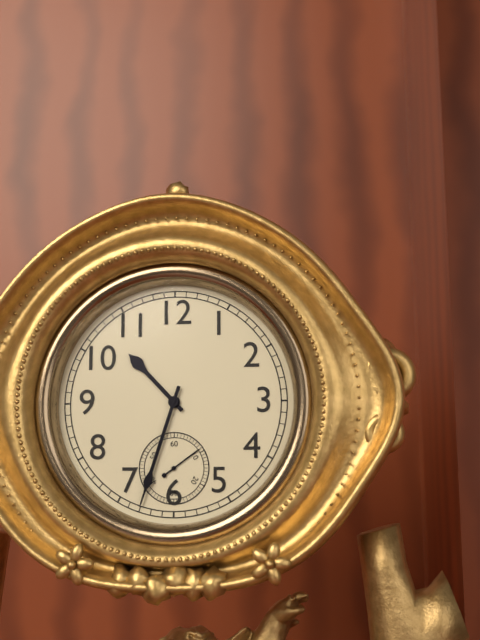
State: 10 h 33 min
